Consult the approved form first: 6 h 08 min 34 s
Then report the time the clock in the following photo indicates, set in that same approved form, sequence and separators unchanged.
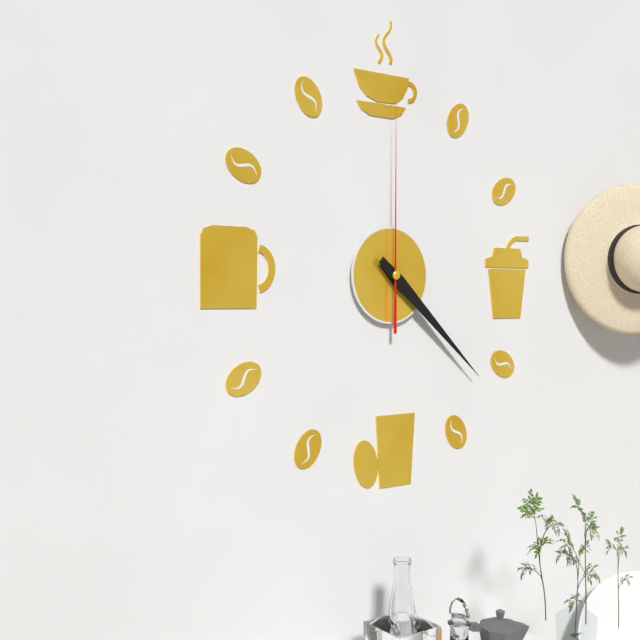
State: 4 h 22 min 00 s
